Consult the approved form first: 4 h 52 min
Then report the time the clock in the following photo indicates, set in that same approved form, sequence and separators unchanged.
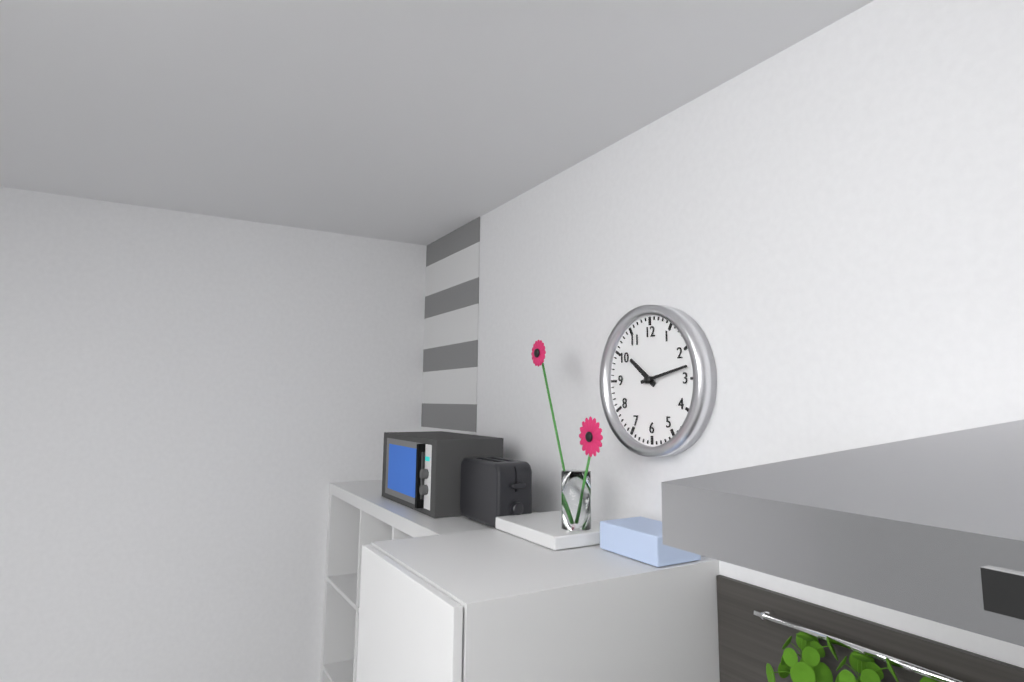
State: 10 h 13 min
